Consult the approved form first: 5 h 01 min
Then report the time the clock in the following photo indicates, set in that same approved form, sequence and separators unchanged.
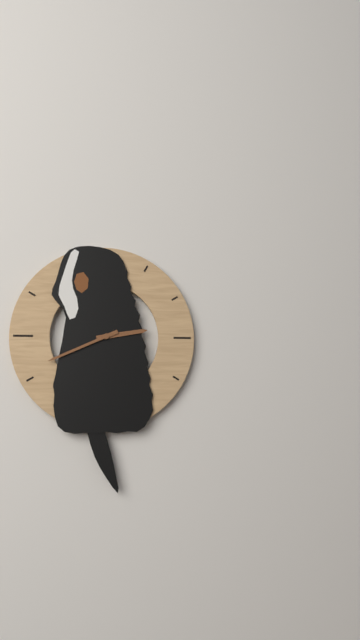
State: 2 h 41 min
